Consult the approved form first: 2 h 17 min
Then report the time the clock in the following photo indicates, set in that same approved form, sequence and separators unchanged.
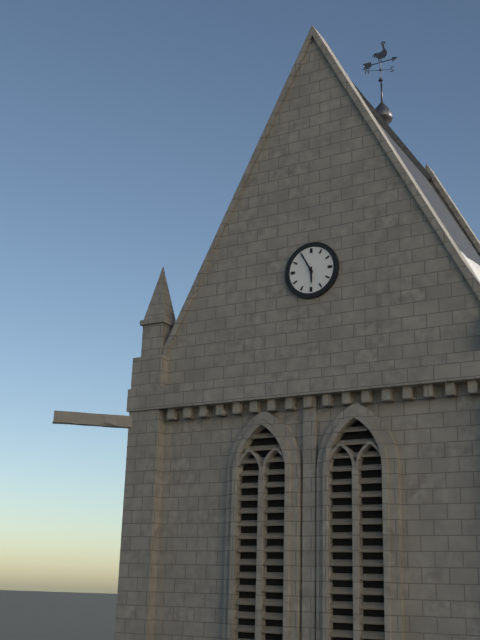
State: 5 h 55 min
